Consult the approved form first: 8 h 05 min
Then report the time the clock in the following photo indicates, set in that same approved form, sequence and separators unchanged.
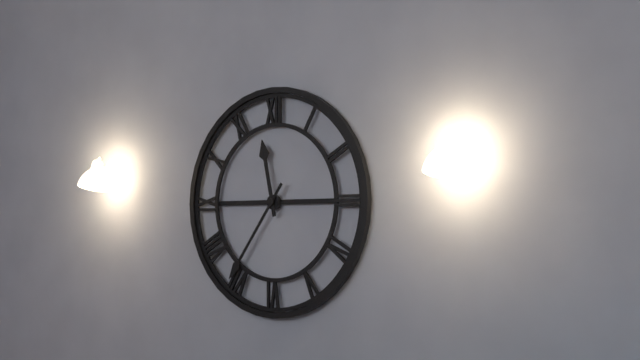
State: 11 h 36 min
